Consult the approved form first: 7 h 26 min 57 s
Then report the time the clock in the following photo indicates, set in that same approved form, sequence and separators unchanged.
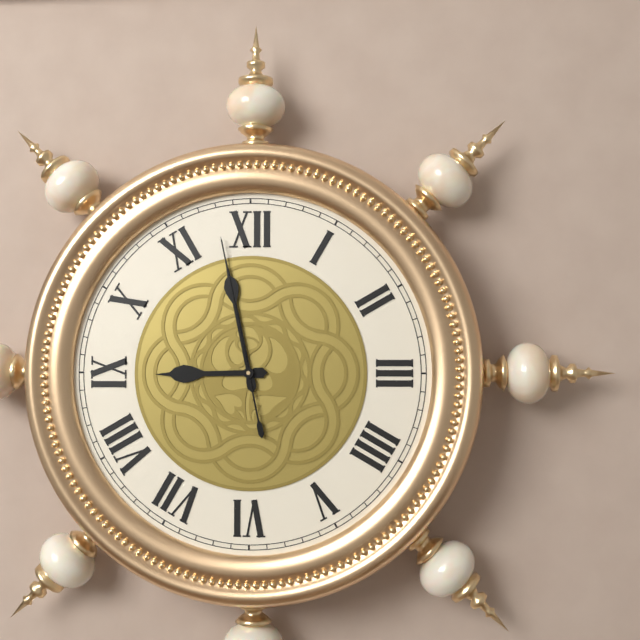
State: 8 h 58 min 58 s
